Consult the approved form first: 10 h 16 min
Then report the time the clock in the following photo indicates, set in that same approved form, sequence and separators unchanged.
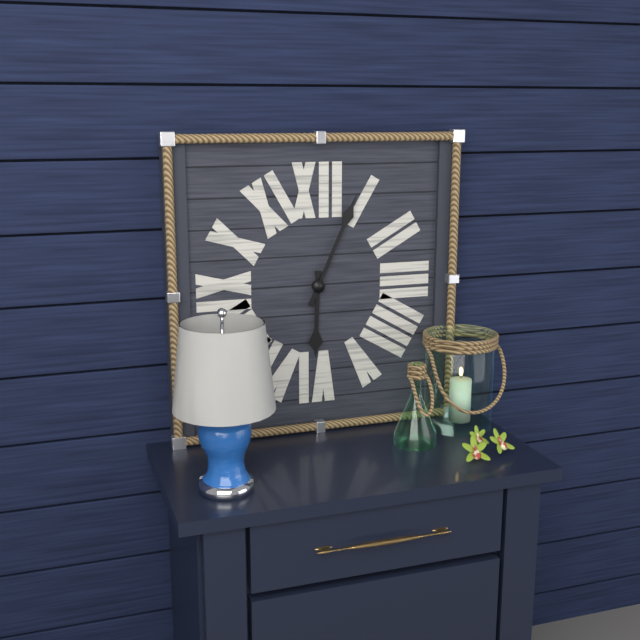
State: 6 h 04 min
